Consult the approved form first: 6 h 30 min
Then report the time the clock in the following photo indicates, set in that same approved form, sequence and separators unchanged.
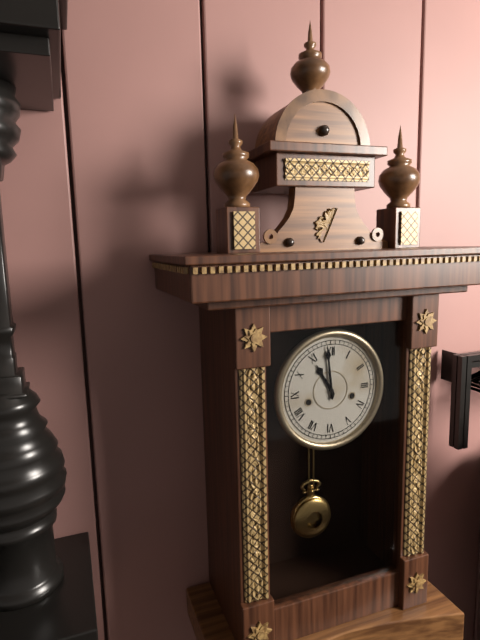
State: 10 h 59 min
